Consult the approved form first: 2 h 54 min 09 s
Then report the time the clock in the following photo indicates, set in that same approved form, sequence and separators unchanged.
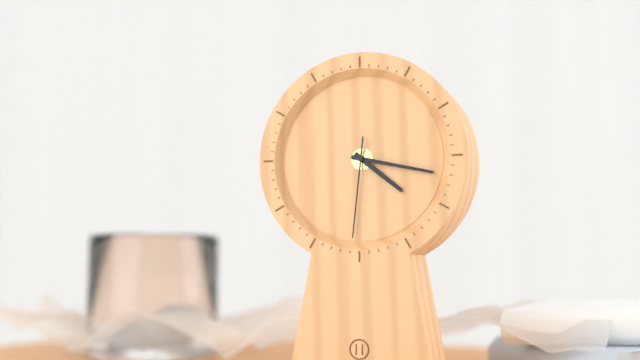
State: 4 h 17 min 31 s
